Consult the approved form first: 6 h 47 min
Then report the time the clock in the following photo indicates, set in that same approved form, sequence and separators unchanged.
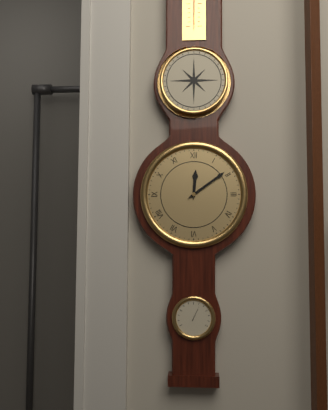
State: 12 h 09 min
